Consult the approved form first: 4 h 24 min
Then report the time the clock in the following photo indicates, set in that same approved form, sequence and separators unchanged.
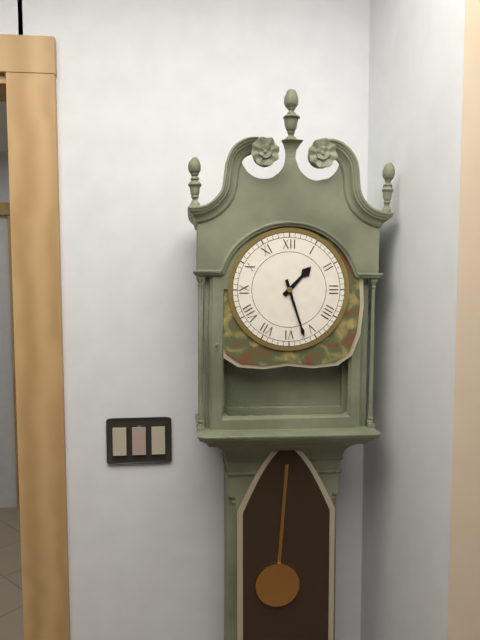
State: 1 h 27 min
